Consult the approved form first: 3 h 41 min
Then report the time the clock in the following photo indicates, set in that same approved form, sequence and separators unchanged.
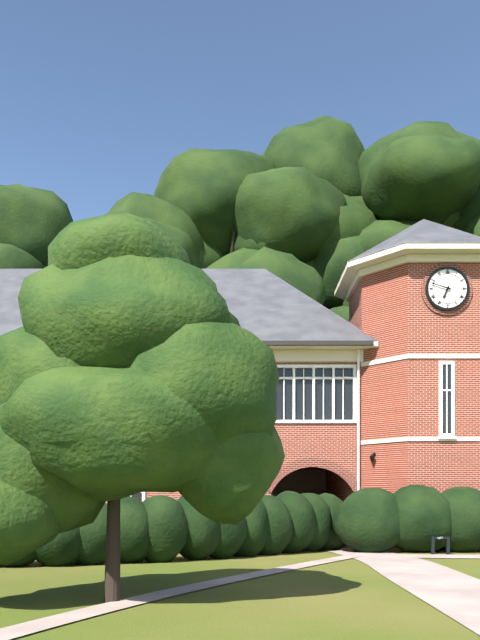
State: 6 h 48 min
